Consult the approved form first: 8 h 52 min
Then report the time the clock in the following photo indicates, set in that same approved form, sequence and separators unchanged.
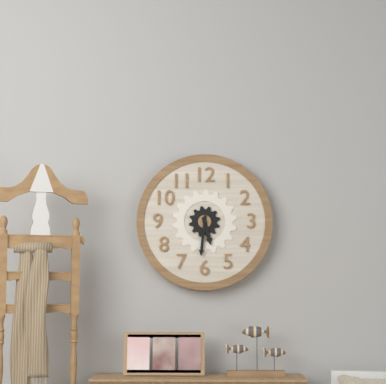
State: 5 h 31 min
